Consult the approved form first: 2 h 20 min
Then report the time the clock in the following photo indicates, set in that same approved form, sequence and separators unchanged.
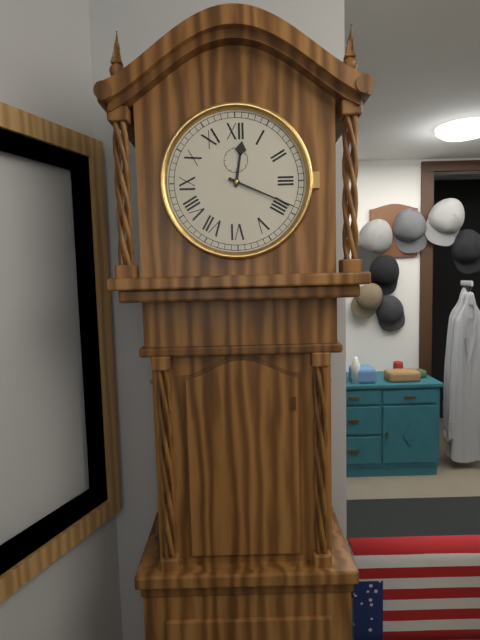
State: 12 h 19 min
